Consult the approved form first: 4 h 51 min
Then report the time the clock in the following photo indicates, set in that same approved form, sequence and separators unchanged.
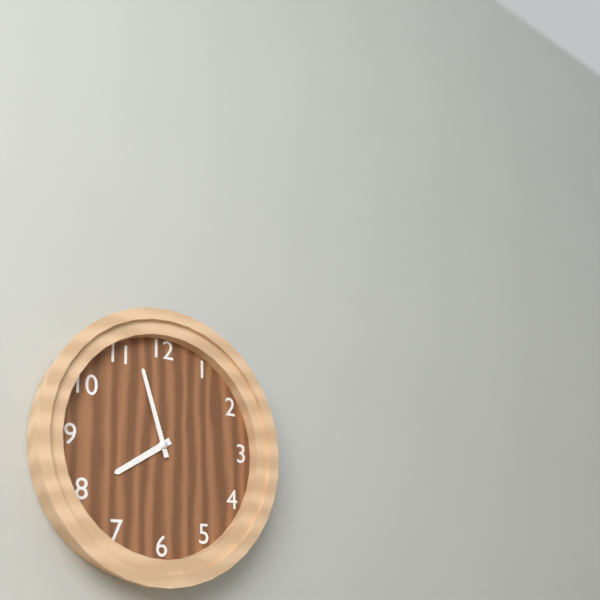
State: 7 h 57 min
